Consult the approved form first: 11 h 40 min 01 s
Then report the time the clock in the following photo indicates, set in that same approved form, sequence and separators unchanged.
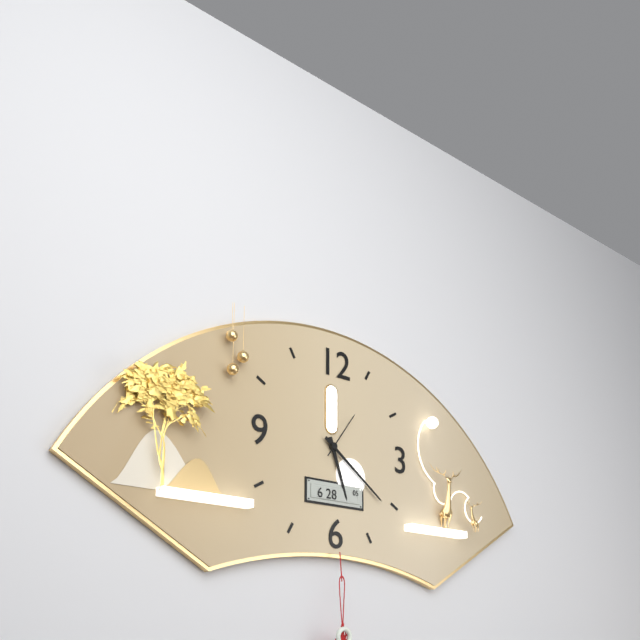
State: 5 h 21 min 06 s
